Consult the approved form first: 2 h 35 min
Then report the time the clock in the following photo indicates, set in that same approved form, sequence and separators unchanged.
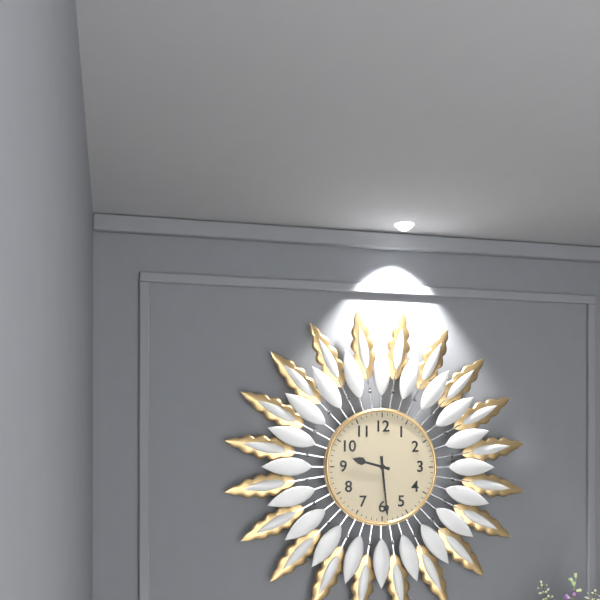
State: 9 h 29 min
